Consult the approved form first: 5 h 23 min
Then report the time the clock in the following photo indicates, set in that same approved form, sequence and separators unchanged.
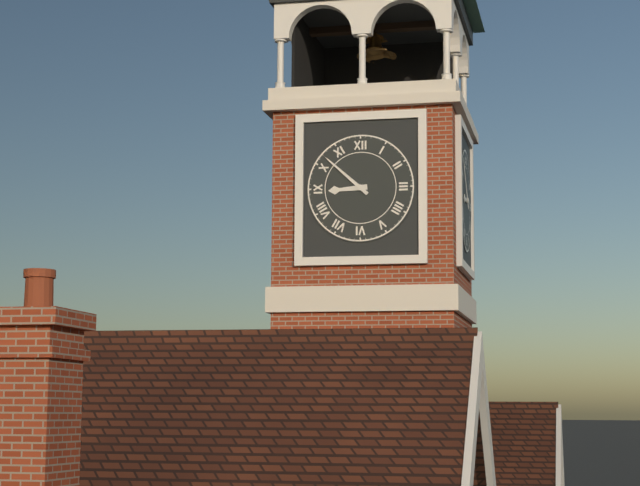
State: 8 h 52 min
